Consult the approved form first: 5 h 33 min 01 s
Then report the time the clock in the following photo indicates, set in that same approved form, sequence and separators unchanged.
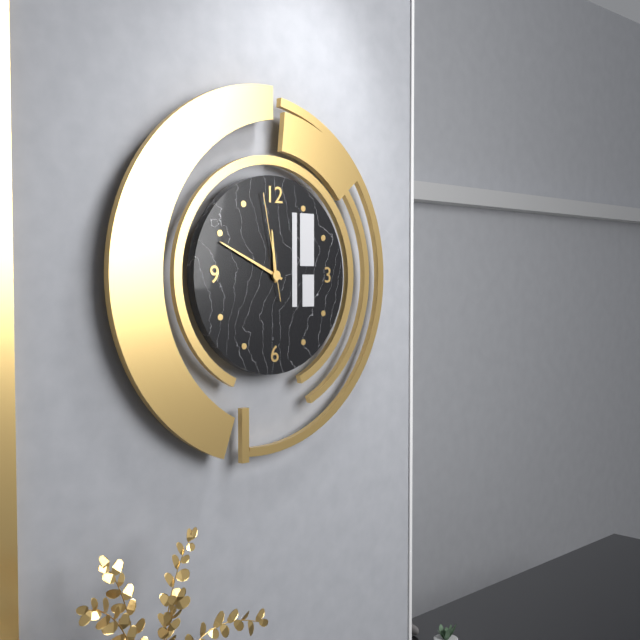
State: 11 h 49 min 58 s
